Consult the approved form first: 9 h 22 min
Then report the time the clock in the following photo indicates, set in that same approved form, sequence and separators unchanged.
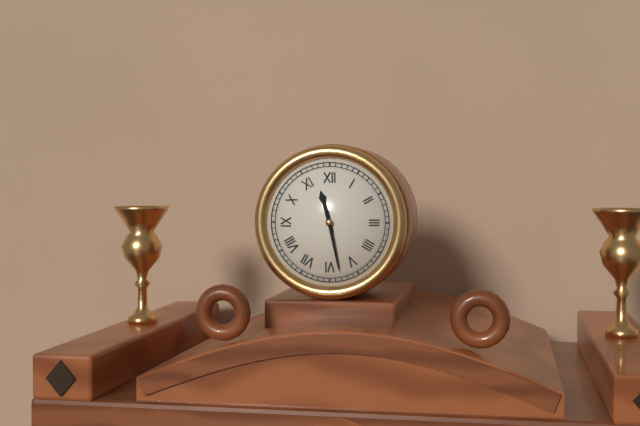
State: 11 h 28 min
